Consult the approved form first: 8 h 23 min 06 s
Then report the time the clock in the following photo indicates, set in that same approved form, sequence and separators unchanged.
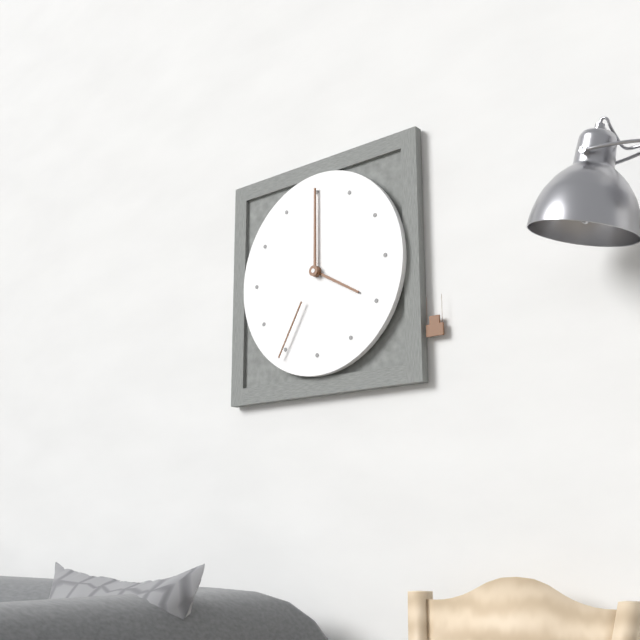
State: 4 h 00 min 35 s
